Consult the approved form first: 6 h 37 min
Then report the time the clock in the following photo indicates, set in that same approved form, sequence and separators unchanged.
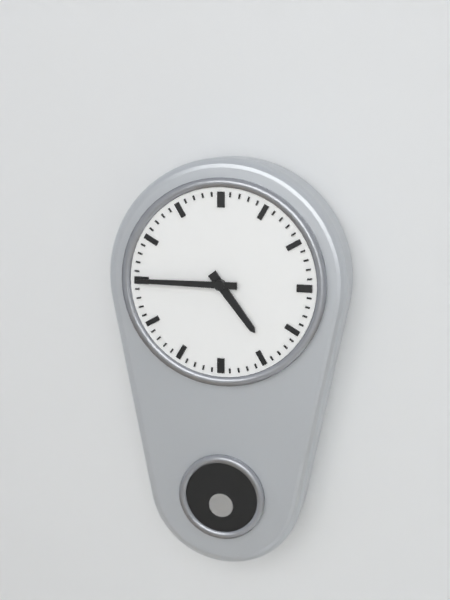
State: 4 h 45 min
